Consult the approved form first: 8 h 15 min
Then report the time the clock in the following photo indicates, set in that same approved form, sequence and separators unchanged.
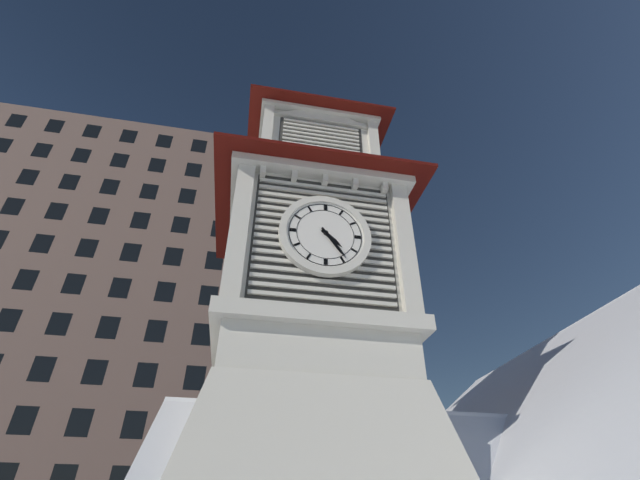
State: 4 h 24 min
